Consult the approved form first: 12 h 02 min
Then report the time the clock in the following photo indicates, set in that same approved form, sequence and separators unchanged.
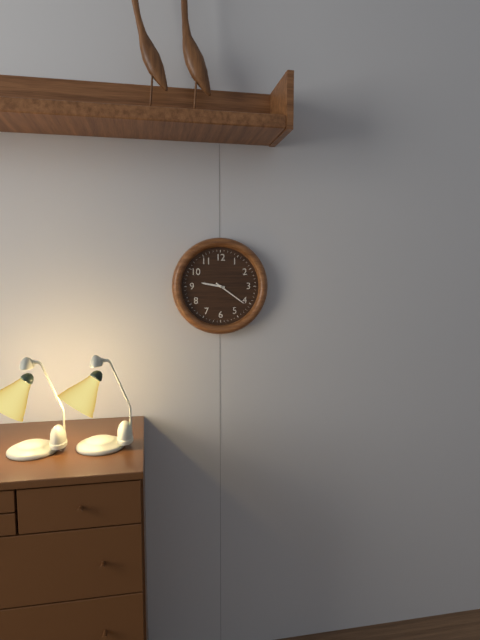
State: 9 h 21 min
